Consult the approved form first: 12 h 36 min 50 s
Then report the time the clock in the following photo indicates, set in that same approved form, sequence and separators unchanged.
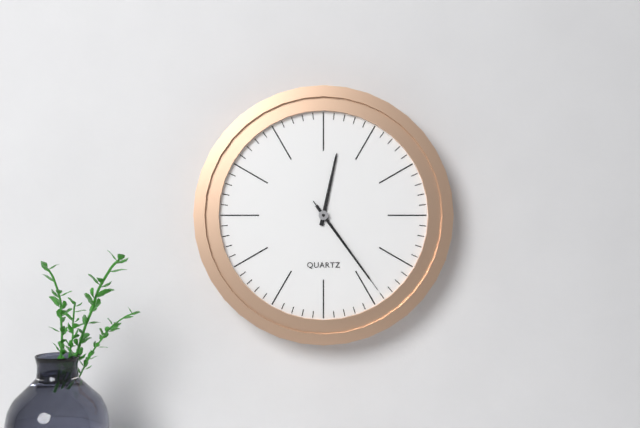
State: 12 h 24 min 24 s
